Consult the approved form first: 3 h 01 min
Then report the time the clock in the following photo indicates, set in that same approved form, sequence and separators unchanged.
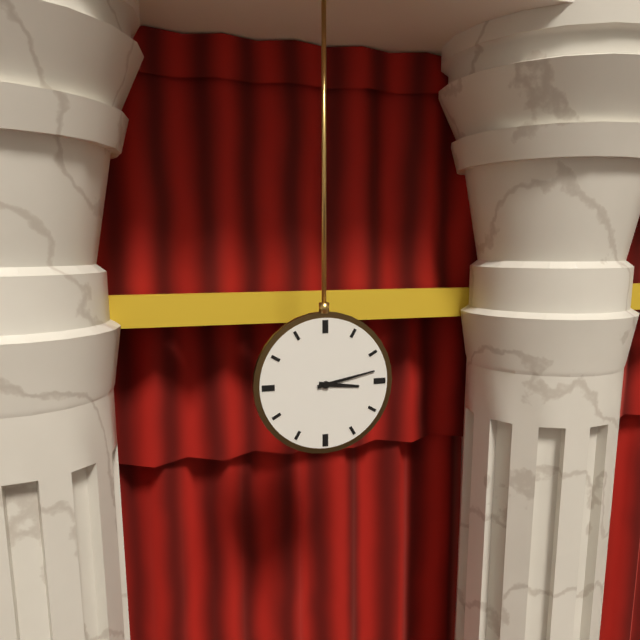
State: 3 h 13 min
